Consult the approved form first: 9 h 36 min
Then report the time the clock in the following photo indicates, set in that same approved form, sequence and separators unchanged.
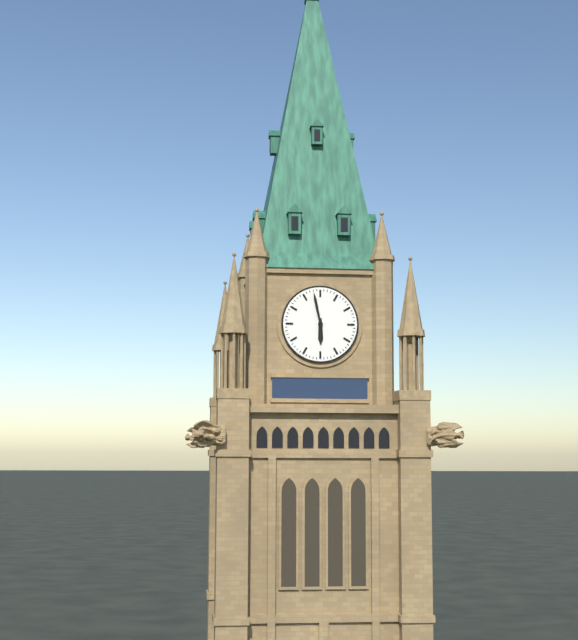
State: 5 h 58 min
